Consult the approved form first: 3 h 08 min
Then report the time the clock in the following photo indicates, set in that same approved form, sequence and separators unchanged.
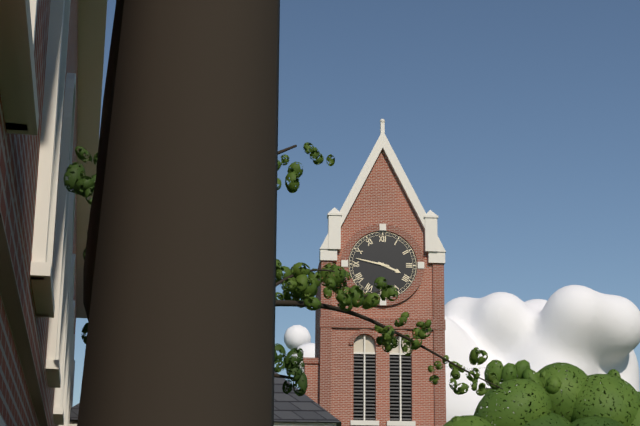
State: 3 h 47 min
